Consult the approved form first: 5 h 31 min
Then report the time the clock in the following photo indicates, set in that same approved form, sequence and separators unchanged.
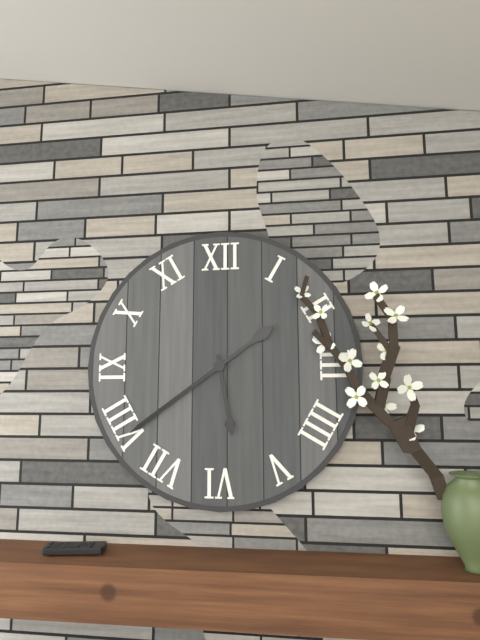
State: 5 h 39 min
